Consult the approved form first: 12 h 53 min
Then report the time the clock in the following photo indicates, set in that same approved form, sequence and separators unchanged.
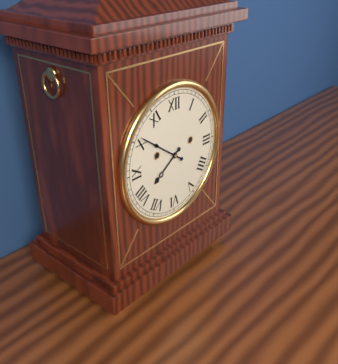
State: 7 h 51 min
